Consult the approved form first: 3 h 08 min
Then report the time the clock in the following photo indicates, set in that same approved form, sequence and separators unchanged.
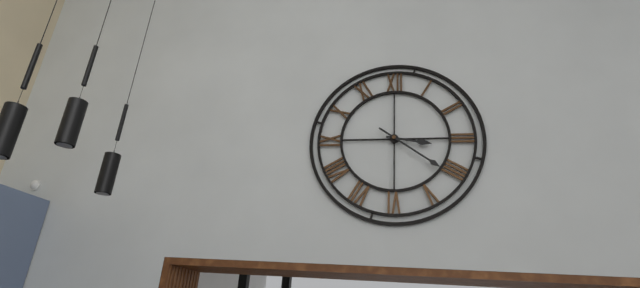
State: 3 h 21 min
